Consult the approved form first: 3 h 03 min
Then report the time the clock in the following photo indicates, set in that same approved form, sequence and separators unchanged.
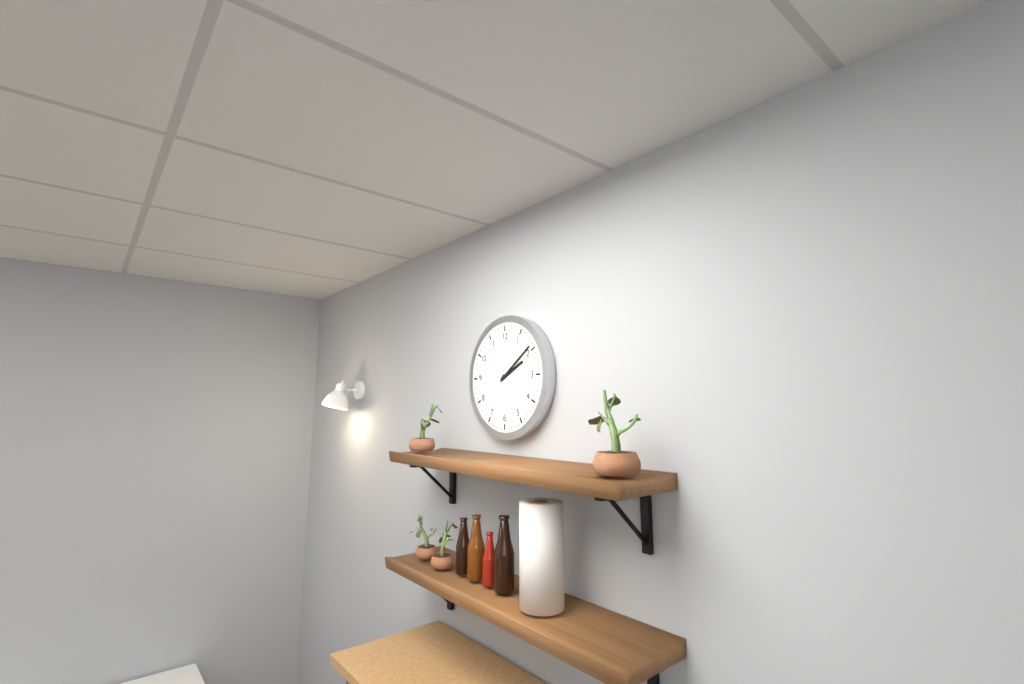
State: 2 h 09 min
